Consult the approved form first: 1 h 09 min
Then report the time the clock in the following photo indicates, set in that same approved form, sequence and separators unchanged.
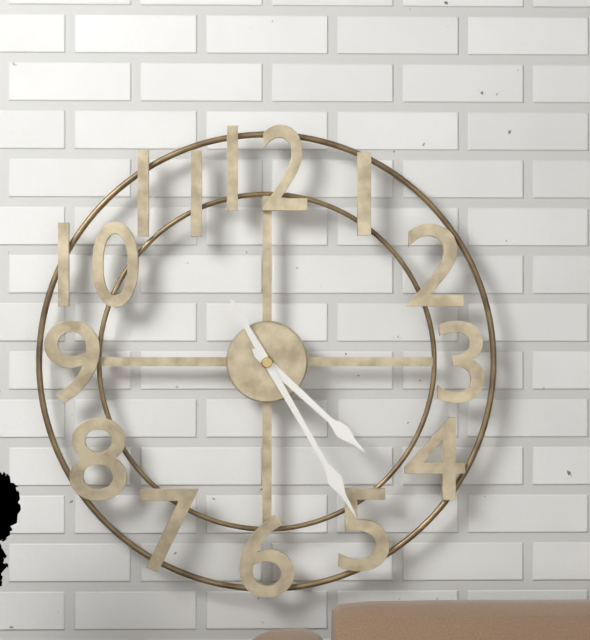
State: 4 h 25 min
